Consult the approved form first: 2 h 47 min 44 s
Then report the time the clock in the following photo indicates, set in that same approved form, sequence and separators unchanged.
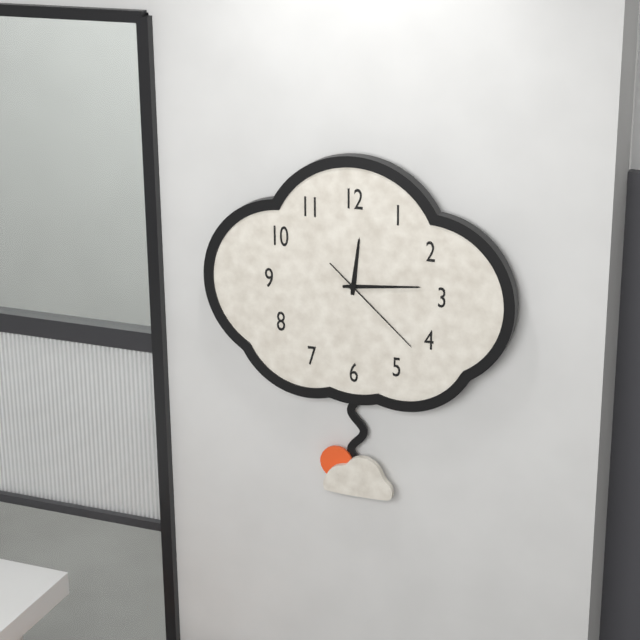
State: 12 h 14 min 22 s
